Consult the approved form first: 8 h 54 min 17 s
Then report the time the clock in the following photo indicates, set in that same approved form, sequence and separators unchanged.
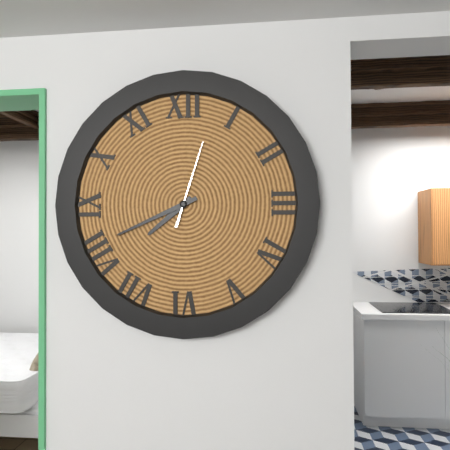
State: 7 h 41 min 03 s
